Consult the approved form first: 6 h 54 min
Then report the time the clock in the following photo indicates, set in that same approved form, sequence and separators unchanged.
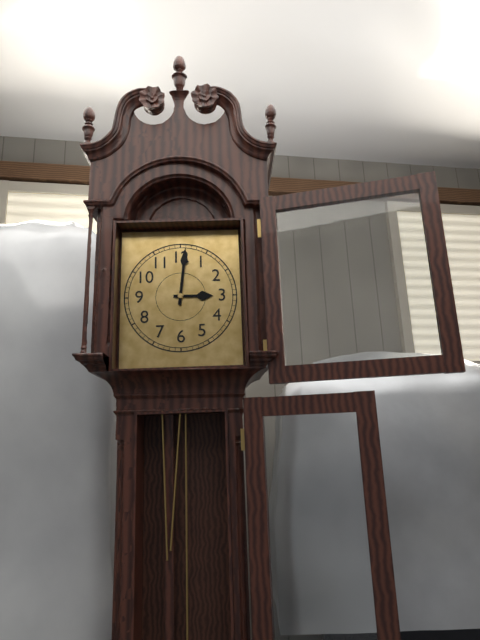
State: 3 h 01 min
